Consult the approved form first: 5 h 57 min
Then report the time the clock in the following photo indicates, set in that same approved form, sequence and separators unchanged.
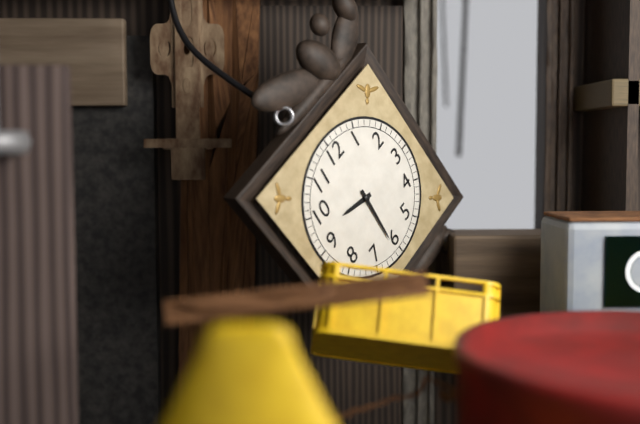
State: 9 h 31 min
